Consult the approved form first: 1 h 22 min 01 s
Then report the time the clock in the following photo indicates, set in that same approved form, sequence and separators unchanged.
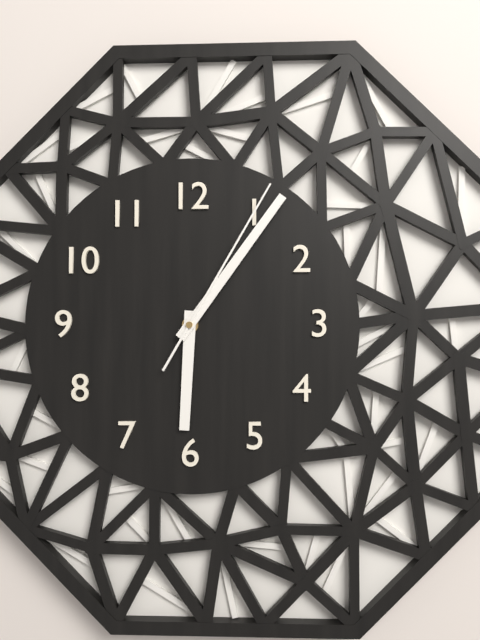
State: 6 h 06 min 05 s
